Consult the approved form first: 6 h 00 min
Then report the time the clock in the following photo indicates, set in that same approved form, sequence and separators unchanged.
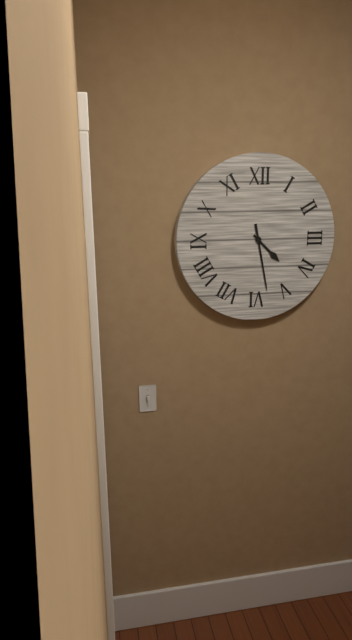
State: 4 h 28 min
